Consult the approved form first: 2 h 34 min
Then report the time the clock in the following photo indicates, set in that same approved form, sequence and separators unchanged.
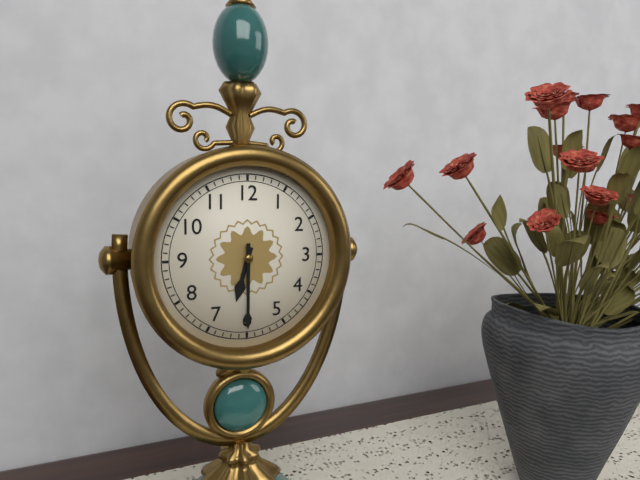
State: 6 h 30 min
